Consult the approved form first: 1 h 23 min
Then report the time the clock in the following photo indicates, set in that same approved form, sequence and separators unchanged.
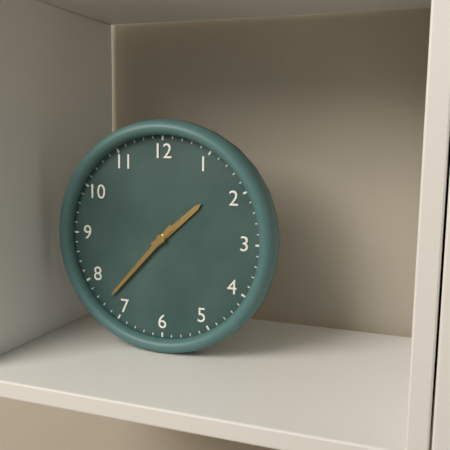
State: 1 h 37 min
